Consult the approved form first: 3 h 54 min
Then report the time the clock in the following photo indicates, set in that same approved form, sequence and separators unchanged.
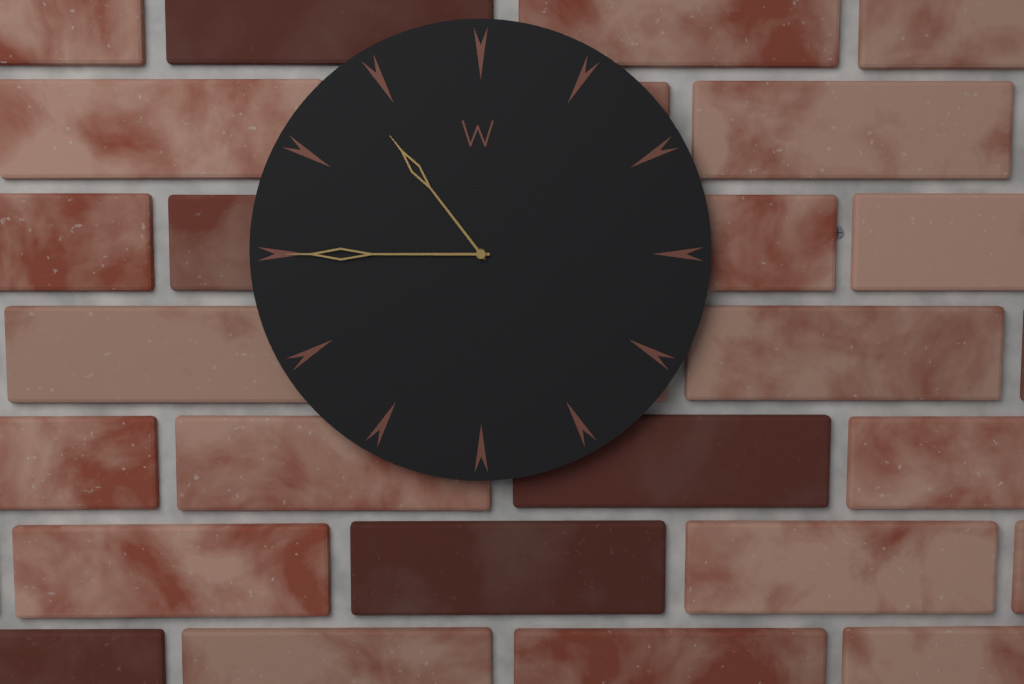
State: 10 h 45 min
